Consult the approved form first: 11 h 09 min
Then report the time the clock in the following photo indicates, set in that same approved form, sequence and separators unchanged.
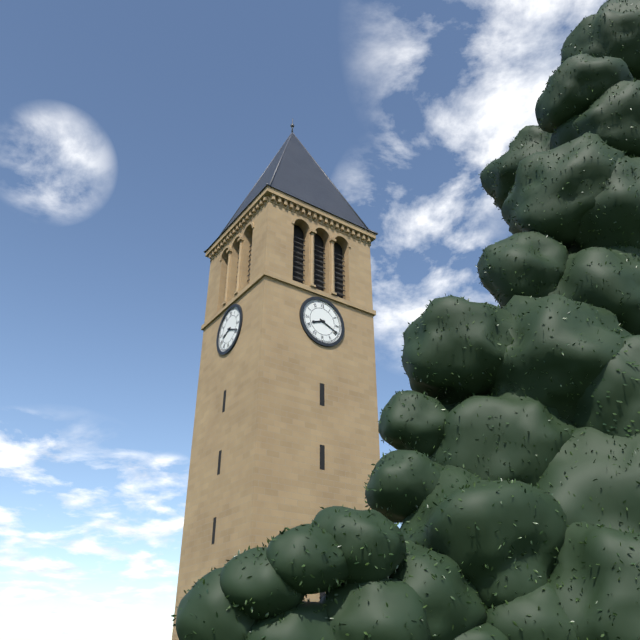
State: 8 h 19 min
